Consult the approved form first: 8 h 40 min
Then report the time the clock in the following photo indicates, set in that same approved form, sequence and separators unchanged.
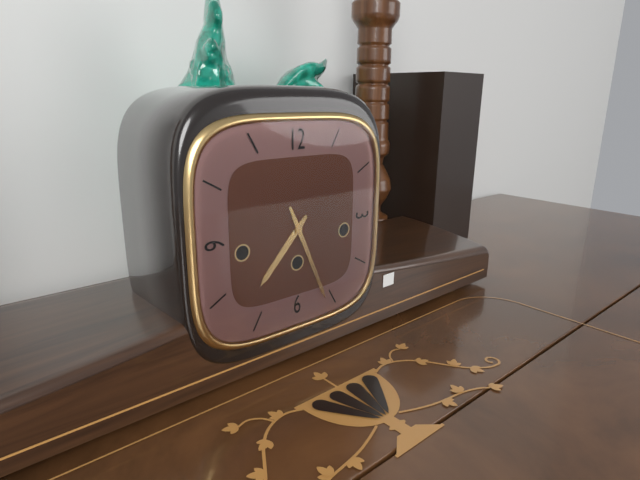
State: 7 h 26 min
